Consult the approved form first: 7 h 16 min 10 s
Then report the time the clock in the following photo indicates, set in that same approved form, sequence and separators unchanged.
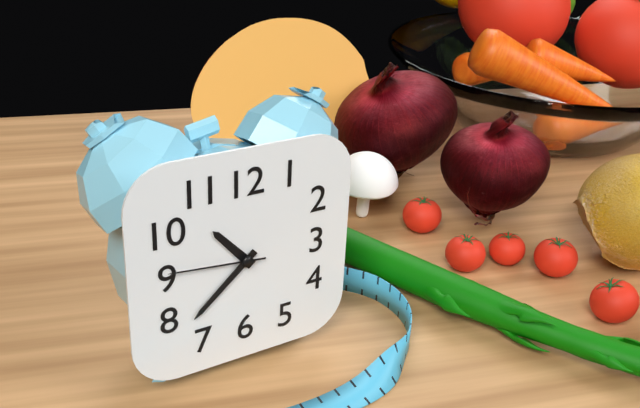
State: 10 h 38 min 46 s
